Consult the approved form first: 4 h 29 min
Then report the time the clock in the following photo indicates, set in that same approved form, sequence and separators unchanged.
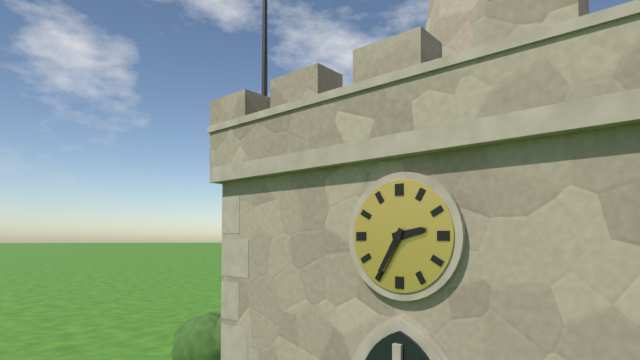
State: 2 h 35 min
